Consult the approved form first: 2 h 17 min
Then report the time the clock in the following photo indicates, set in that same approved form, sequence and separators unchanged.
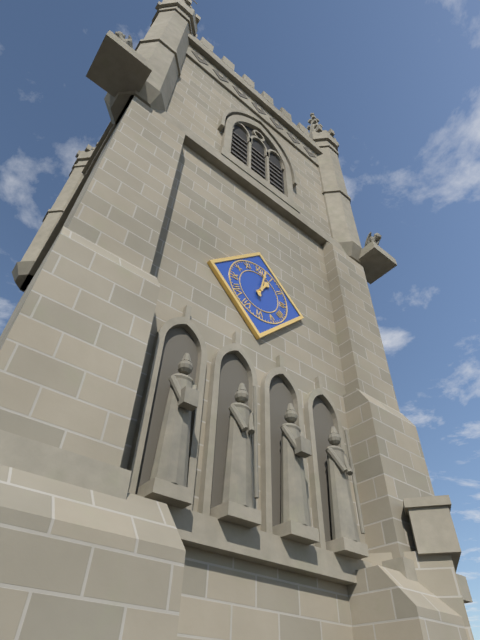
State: 1 h 02 min
